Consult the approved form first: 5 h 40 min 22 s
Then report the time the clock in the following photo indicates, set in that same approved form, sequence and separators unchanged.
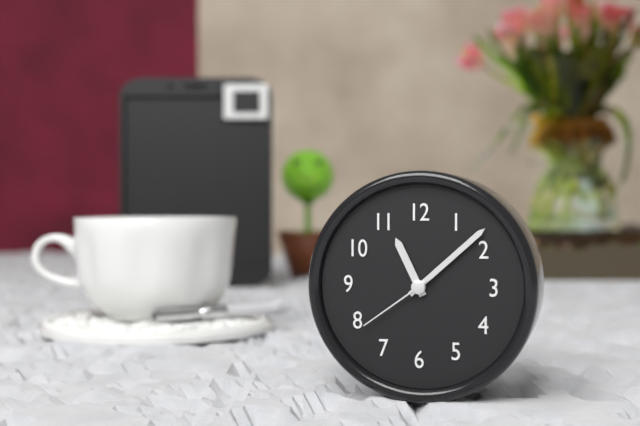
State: 11 h 08 min 39 s
